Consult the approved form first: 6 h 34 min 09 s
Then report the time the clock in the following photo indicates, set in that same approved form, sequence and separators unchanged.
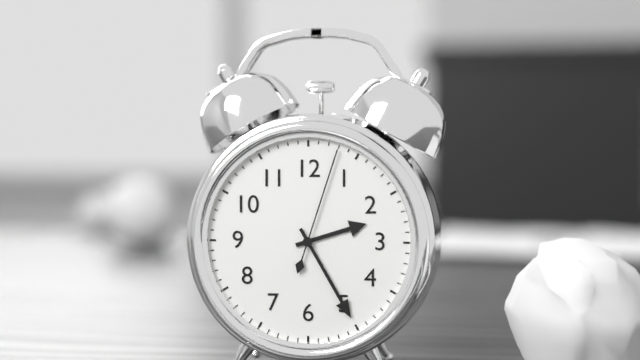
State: 2 h 25 min 03 s
